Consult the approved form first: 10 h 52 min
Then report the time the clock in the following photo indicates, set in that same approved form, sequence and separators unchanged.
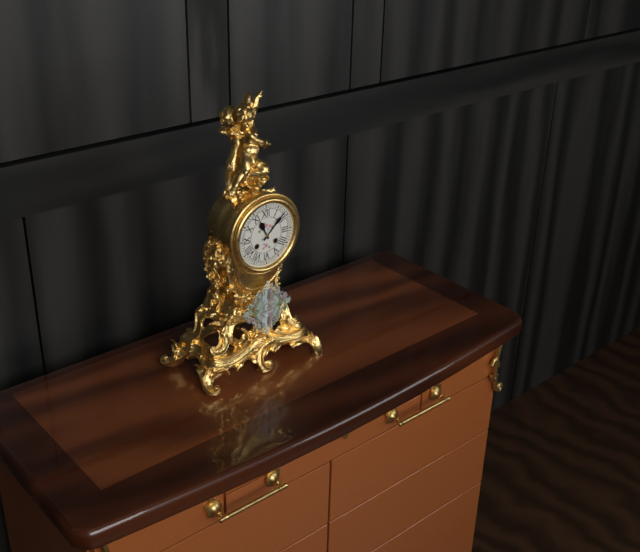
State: 11 h 08 min
